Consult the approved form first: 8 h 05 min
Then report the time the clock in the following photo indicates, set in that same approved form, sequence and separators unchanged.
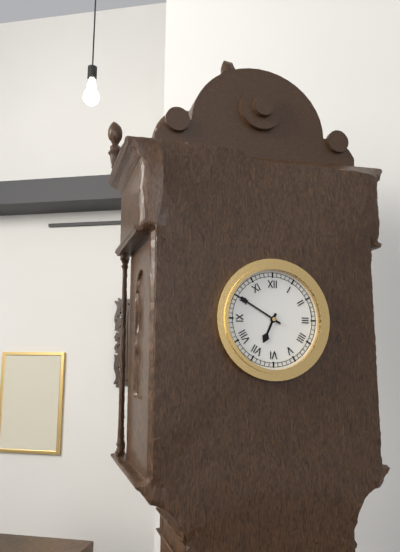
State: 6 h 50 min
